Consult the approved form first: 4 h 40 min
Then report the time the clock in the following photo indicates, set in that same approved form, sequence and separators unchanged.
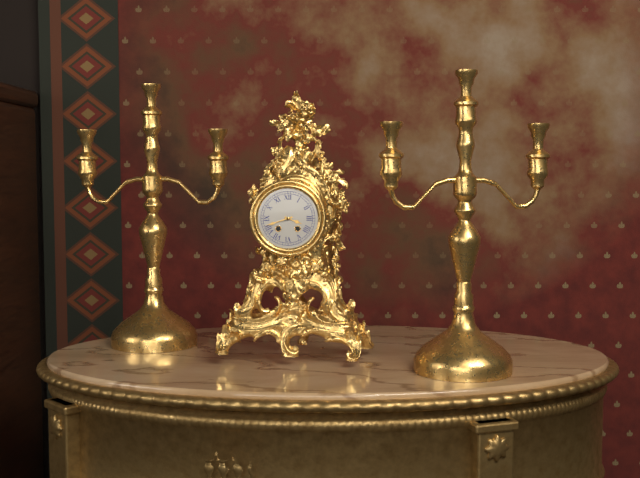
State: 3 h 42 min
